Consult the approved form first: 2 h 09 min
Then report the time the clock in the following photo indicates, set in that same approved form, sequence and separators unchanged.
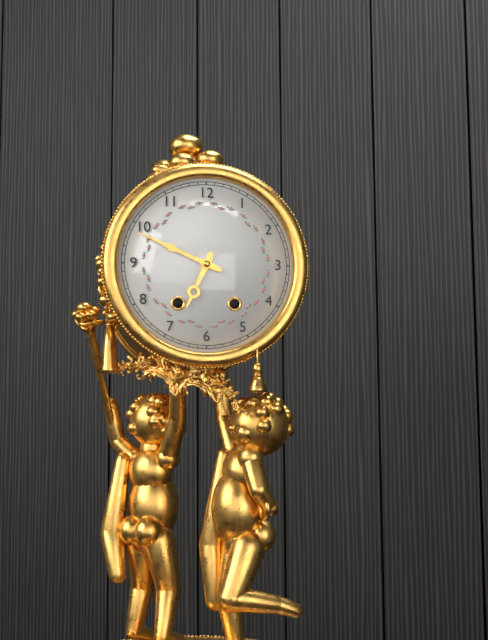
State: 6 h 49 min
